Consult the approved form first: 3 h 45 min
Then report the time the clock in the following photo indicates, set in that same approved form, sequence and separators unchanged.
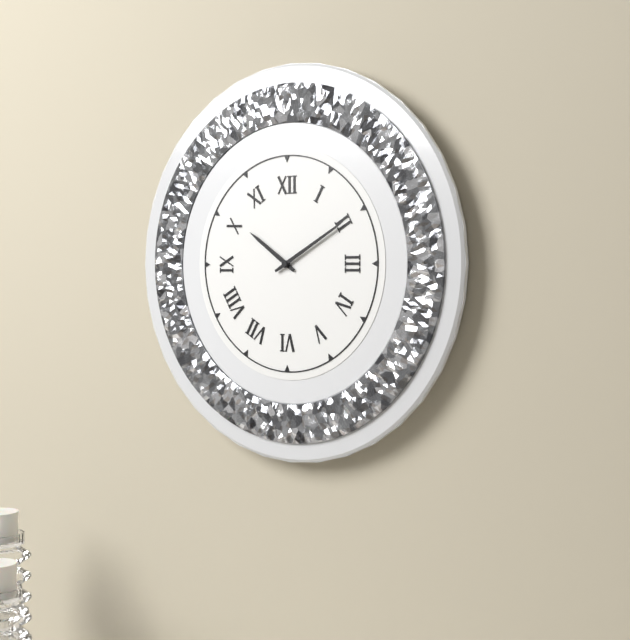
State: 10 h 10 min
